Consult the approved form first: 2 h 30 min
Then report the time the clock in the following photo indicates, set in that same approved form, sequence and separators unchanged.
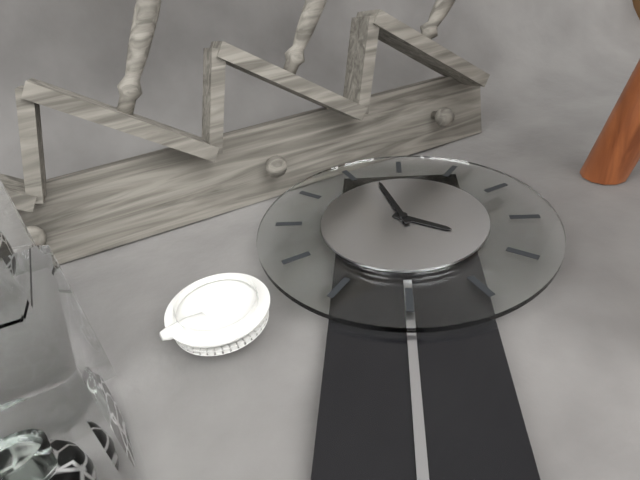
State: 3 h 57 min
